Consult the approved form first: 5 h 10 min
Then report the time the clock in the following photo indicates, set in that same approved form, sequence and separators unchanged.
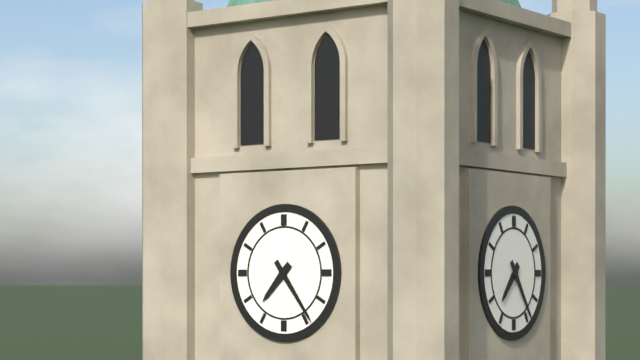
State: 7 h 24 min
